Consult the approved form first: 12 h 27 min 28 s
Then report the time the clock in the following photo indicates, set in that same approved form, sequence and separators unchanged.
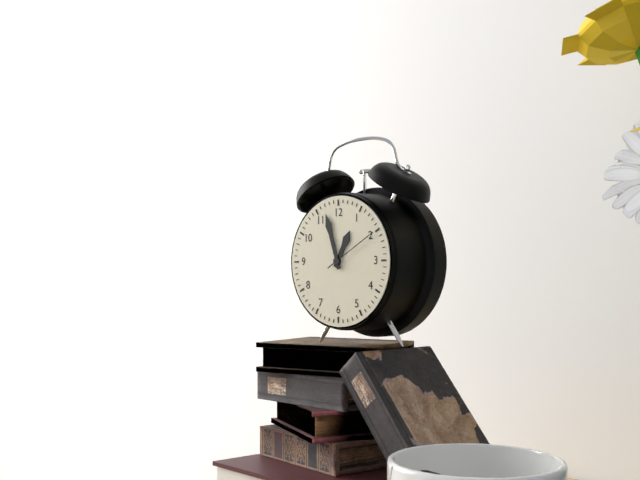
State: 12 h 57 min 10 s
